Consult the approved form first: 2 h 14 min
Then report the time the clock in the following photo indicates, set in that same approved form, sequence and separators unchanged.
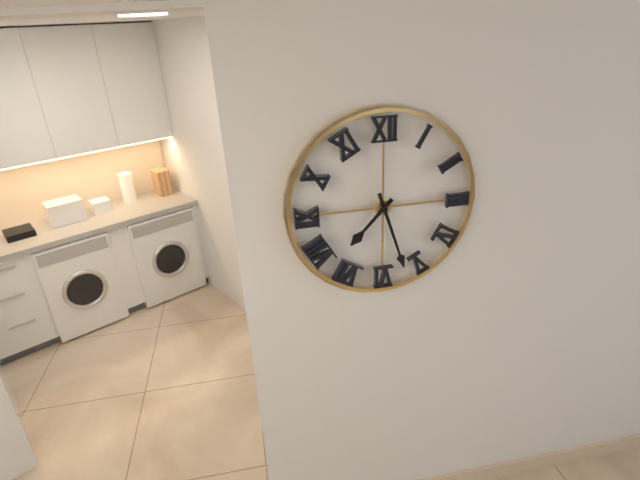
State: 7 h 27 min
